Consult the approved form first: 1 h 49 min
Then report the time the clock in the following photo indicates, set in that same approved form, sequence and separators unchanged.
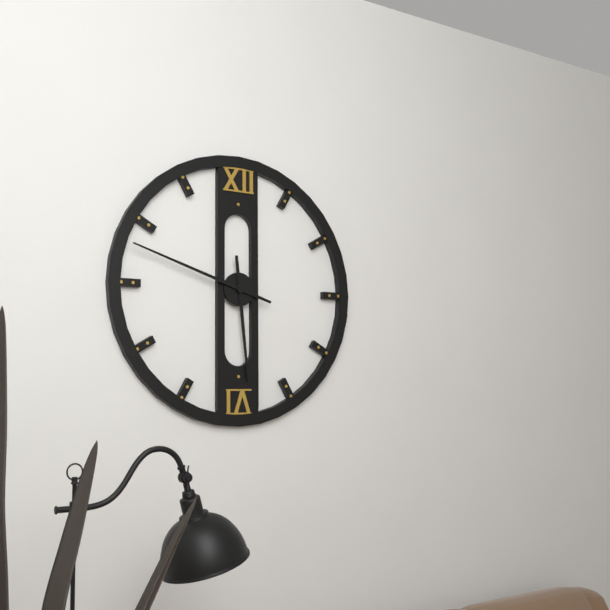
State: 5 h 48 min
